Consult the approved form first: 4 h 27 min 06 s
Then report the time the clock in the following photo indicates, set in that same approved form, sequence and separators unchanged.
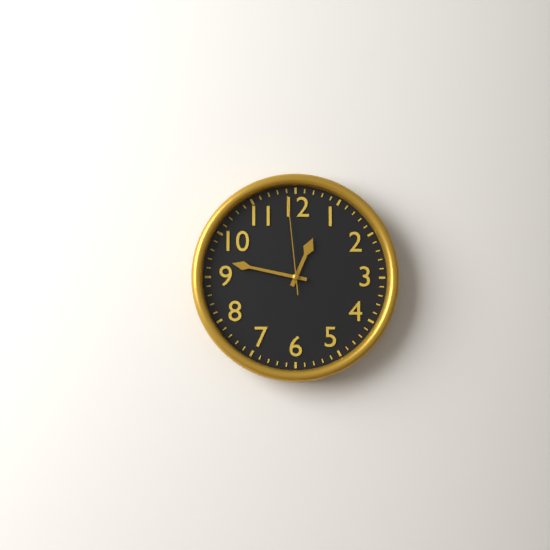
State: 12 h 47 min 59 s
